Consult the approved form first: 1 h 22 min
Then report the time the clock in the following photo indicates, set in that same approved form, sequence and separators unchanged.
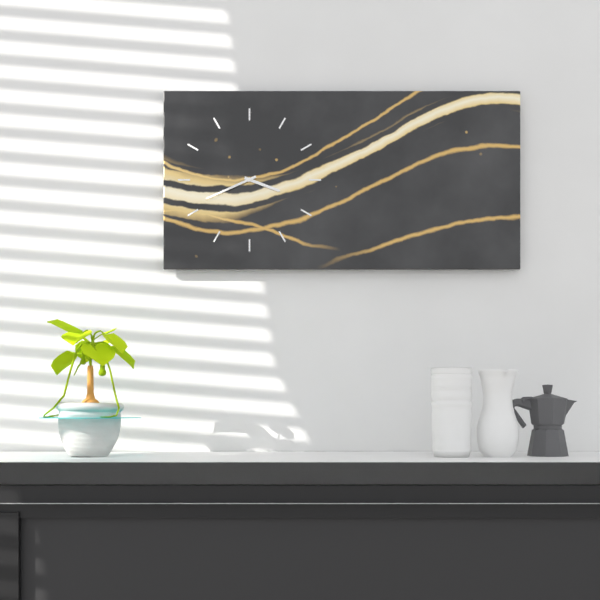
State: 3 h 41 min
